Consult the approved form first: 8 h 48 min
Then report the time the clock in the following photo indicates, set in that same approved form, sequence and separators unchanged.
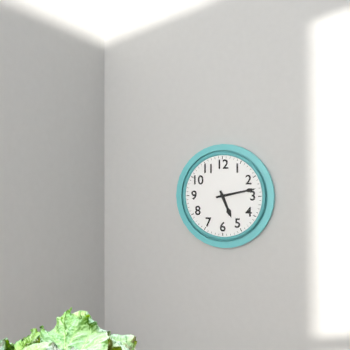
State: 5 h 13 min
